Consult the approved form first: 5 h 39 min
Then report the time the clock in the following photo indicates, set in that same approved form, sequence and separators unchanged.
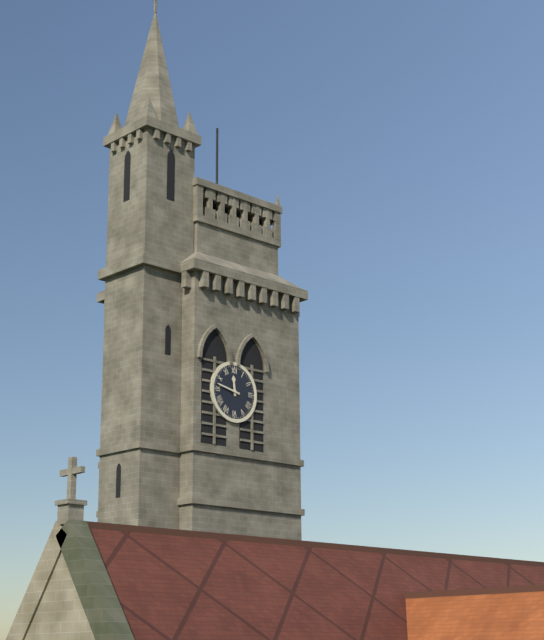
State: 11 h 47 min
